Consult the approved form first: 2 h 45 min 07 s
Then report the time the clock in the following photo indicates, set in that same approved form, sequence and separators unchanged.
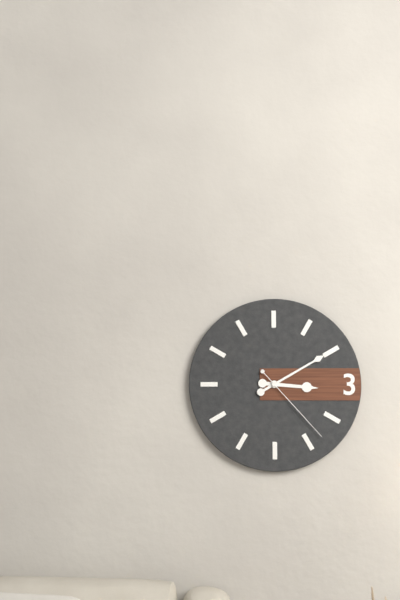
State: 3 h 10 min 23 s
